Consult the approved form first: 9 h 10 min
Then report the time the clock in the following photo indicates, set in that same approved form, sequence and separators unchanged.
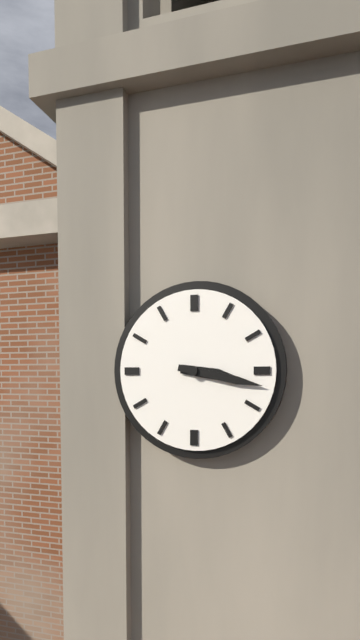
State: 3 h 17 min
